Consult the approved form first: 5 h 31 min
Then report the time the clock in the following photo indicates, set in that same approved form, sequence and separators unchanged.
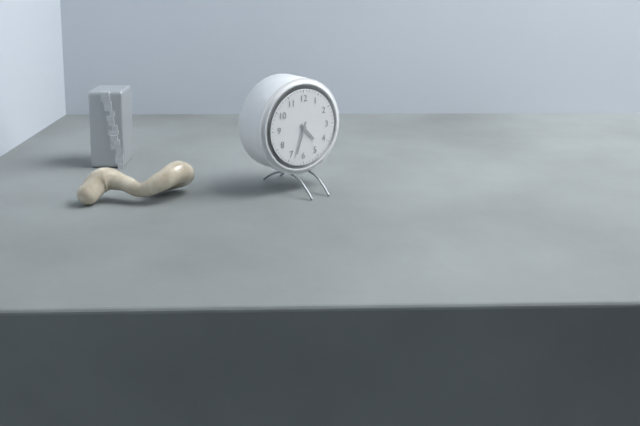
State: 4 h 33 min
